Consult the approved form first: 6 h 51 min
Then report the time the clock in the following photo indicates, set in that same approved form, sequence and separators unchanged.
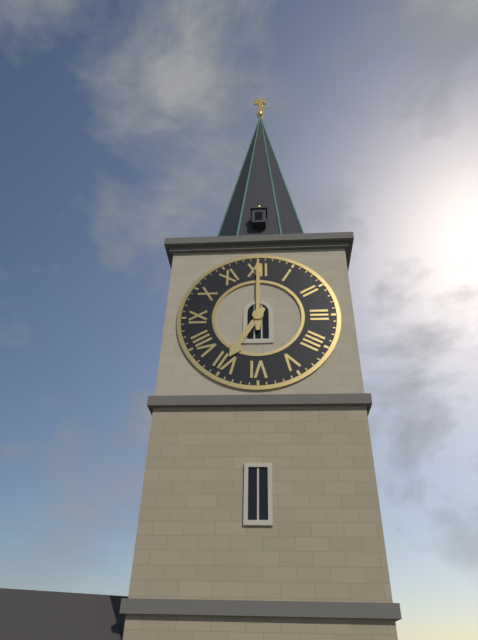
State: 7 h 00 min
